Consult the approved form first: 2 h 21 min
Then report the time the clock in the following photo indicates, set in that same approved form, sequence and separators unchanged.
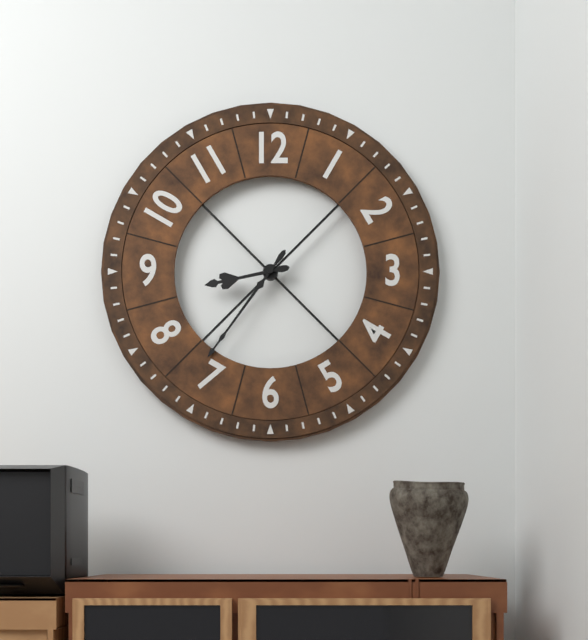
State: 8 h 36 min
